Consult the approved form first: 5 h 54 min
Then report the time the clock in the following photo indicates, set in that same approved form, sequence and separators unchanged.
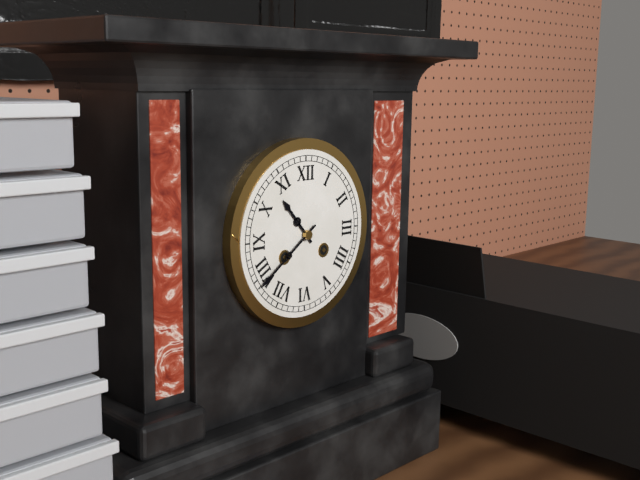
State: 10 h 39 min
